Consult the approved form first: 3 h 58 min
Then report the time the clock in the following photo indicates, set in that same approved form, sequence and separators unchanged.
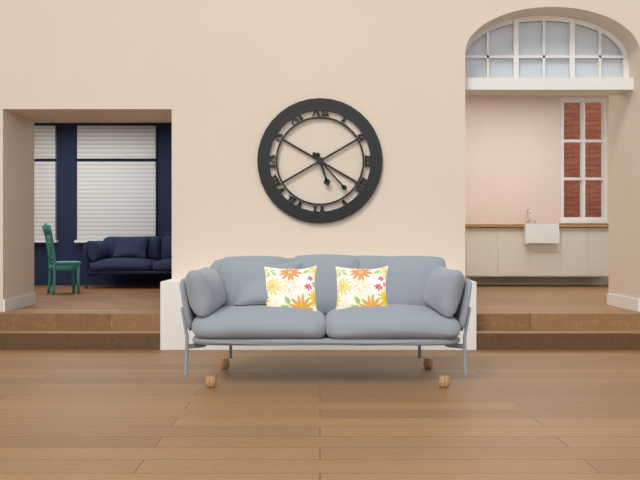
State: 5 h 23 min
